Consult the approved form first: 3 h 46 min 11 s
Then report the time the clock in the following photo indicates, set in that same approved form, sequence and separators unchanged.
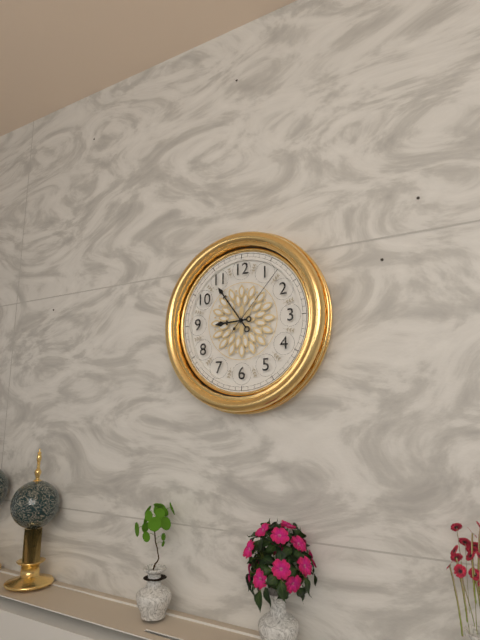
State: 8 h 54 min 07 s
